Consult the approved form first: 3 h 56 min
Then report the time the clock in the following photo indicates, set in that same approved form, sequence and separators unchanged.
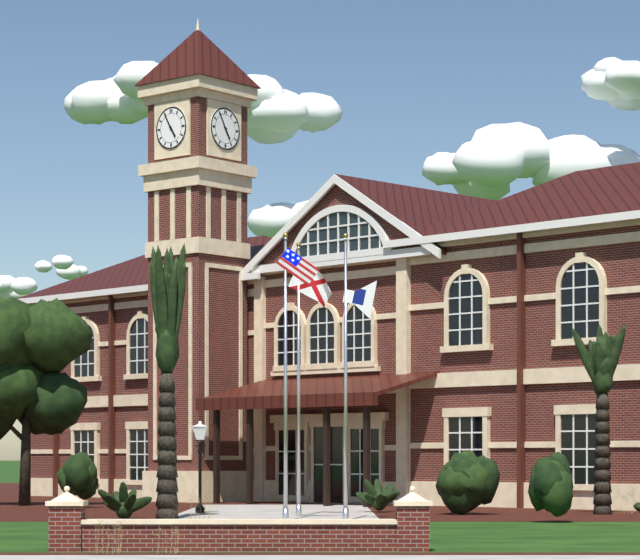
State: 4 h 55 min
